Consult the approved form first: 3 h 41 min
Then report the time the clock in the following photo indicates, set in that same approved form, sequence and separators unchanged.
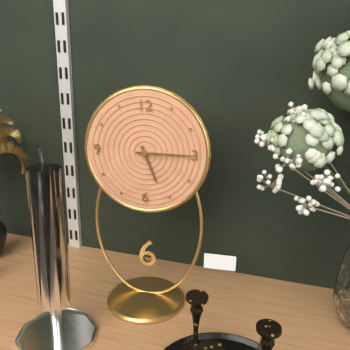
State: 5 h 15 min
